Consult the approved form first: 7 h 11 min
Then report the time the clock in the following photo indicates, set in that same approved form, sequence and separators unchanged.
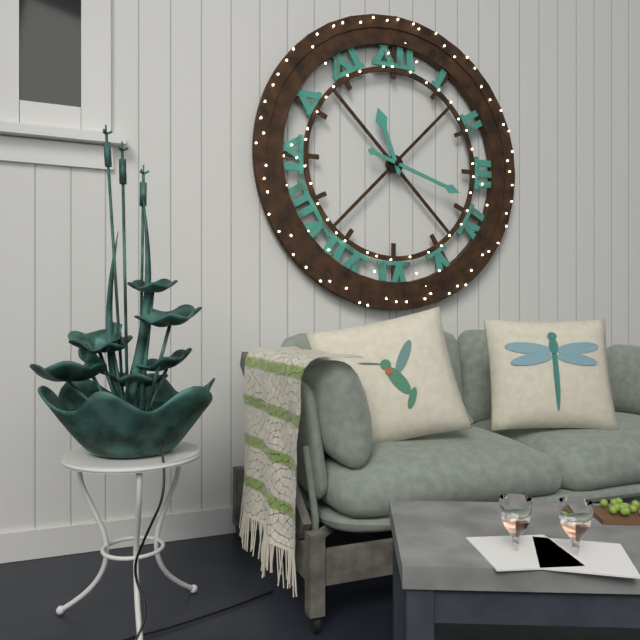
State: 11 h 18 min
